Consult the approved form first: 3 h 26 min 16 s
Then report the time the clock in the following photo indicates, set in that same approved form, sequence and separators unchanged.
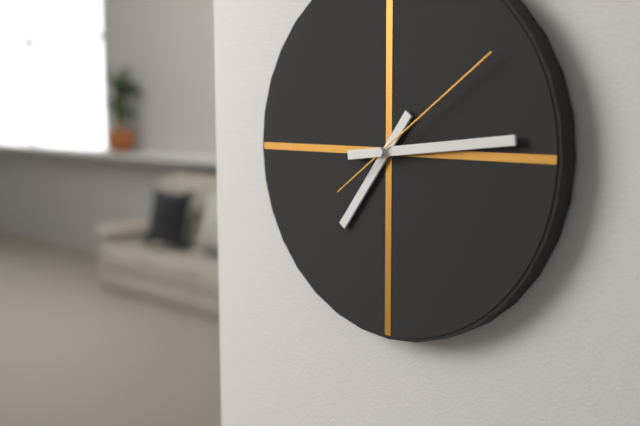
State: 7 h 14 min 09 s
